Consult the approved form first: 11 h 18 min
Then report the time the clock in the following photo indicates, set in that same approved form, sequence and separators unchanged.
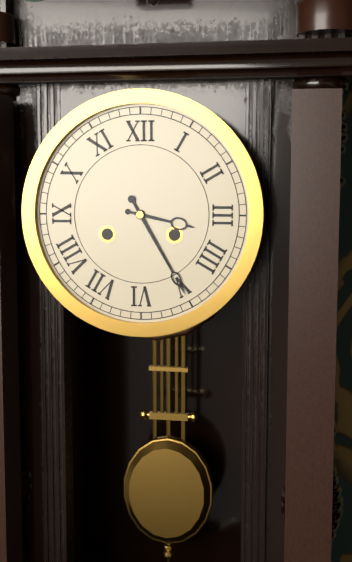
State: 3 h 25 min
